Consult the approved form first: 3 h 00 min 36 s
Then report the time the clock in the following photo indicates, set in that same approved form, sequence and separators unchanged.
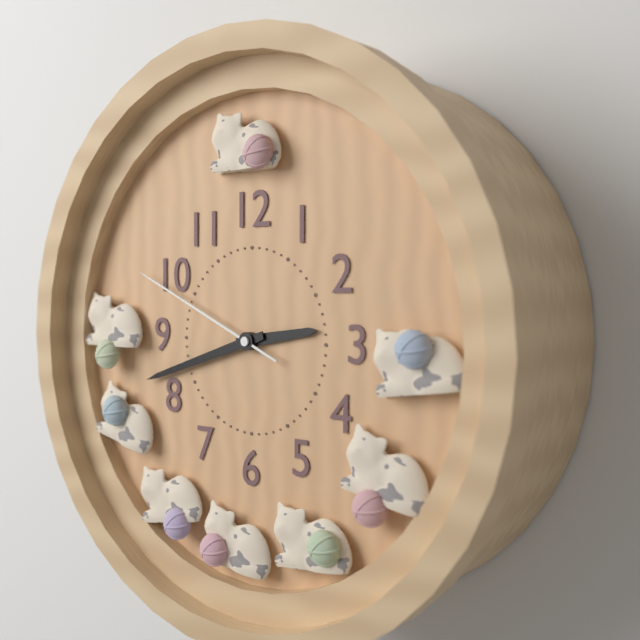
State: 2 h 42 min 49 s
